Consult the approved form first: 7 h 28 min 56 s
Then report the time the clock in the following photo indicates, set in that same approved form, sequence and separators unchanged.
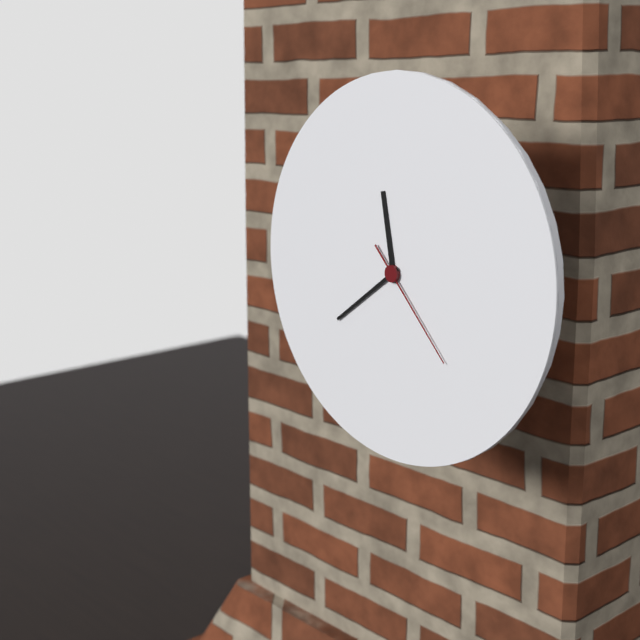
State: 11 h 39 min 23 s
